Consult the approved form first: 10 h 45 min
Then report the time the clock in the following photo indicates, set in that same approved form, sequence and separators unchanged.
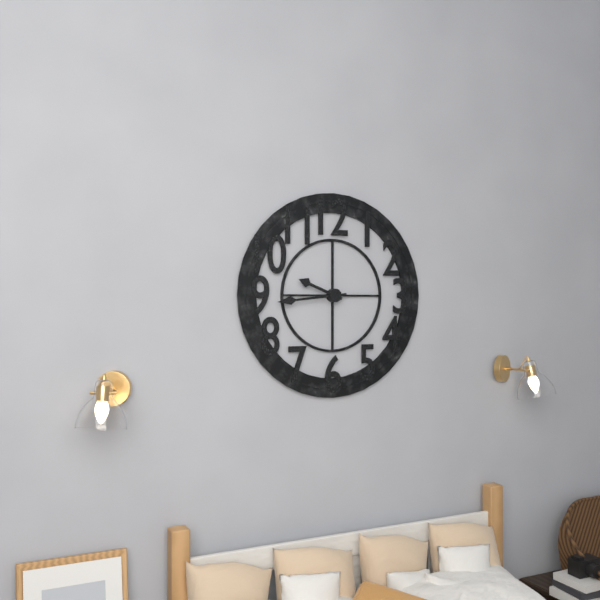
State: 9 h 44 min
